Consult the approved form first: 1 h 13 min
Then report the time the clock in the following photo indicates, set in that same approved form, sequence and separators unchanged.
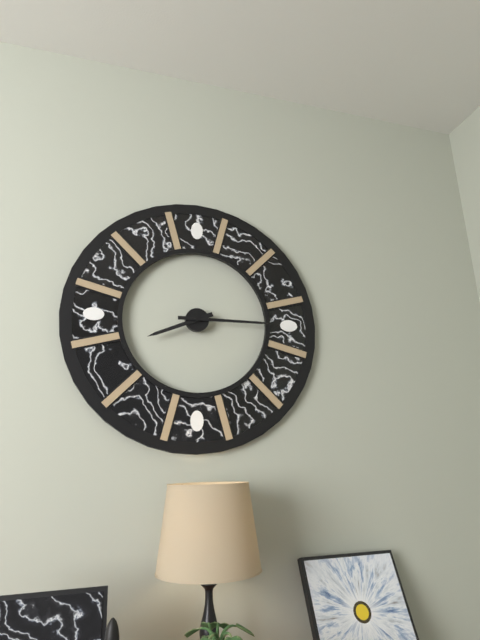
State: 8 h 15 min
